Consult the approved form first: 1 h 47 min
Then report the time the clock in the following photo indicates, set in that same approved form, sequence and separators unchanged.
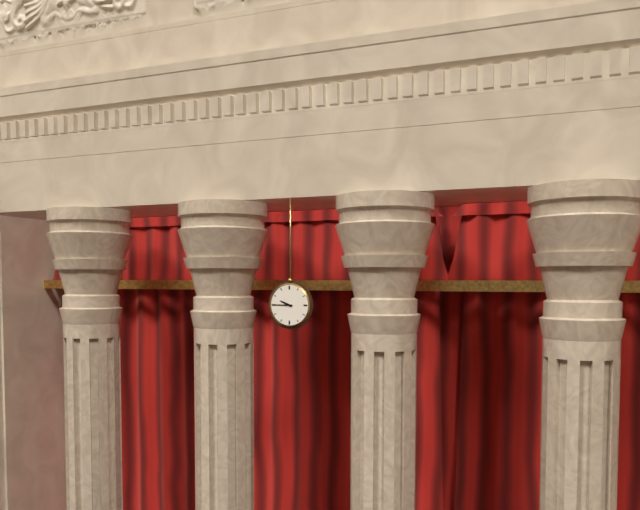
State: 9 h 45 min
